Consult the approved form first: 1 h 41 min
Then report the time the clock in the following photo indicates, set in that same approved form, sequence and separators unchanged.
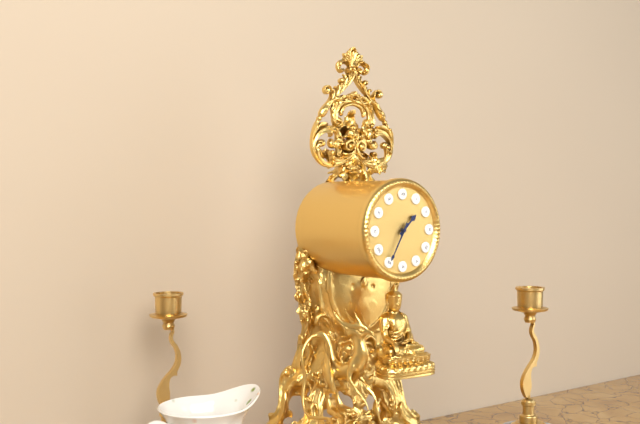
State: 1 h 35 min
